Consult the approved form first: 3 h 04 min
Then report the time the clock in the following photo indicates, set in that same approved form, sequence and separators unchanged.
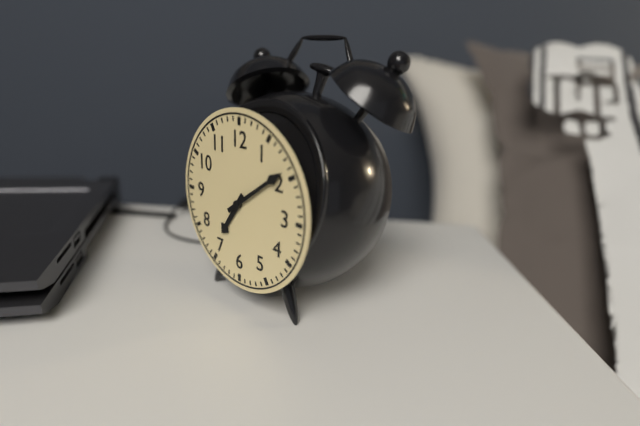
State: 7 h 09 min
